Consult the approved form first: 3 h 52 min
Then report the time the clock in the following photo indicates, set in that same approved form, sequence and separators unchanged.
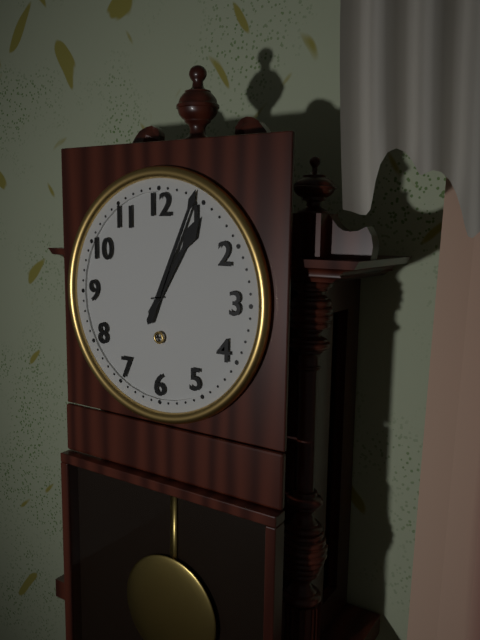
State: 1 h 04 min
